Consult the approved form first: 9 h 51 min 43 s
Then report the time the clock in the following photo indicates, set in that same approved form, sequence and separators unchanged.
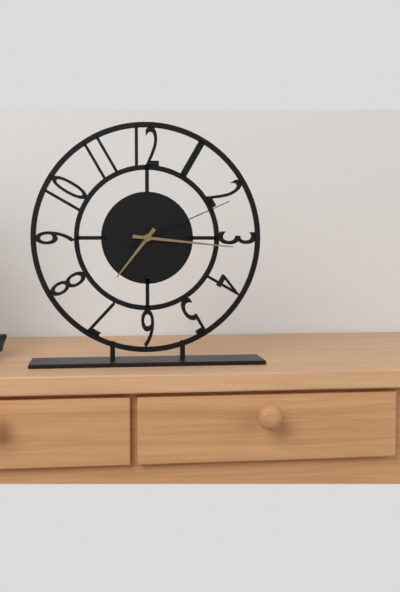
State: 7 h 16 min 11 s
